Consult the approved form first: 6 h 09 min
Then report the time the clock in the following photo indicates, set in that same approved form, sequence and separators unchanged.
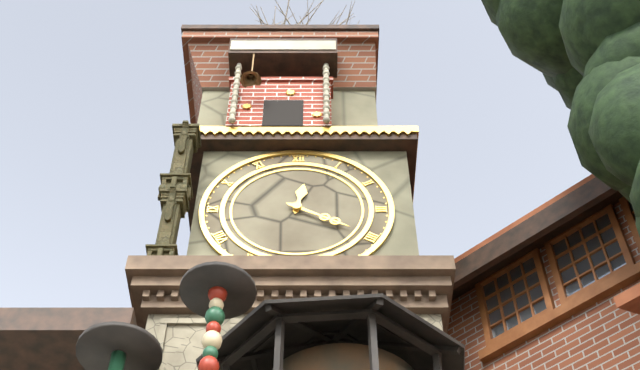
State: 12 h 20 min
